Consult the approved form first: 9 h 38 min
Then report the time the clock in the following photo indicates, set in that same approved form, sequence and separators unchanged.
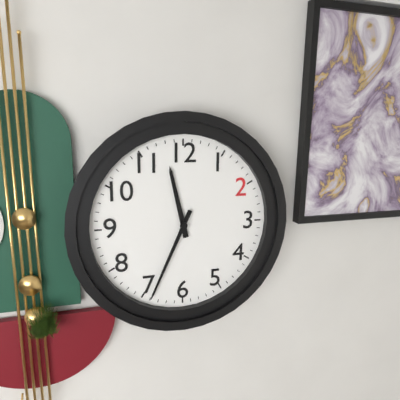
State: 11 h 34 min
